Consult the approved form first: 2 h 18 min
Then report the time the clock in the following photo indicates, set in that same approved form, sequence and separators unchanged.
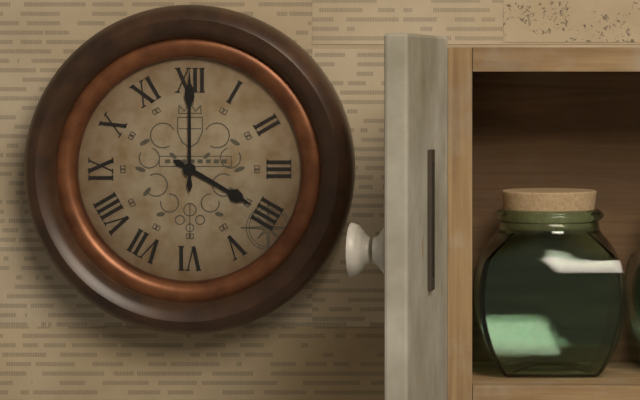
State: 4 h 00 min
